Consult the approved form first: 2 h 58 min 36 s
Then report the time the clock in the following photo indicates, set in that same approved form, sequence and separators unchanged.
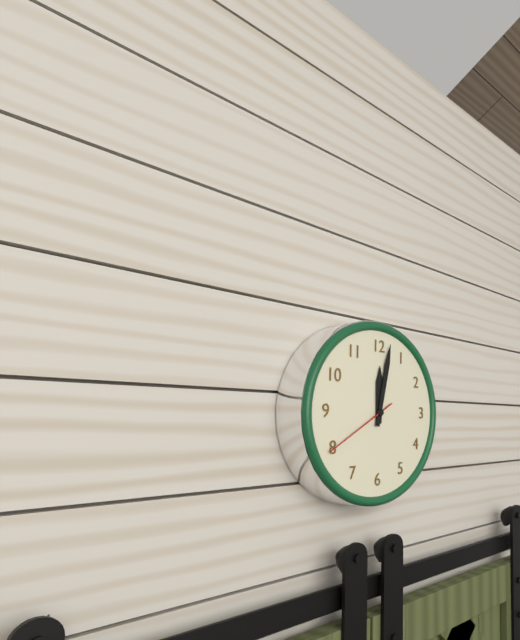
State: 12 h 02 min 40 s
